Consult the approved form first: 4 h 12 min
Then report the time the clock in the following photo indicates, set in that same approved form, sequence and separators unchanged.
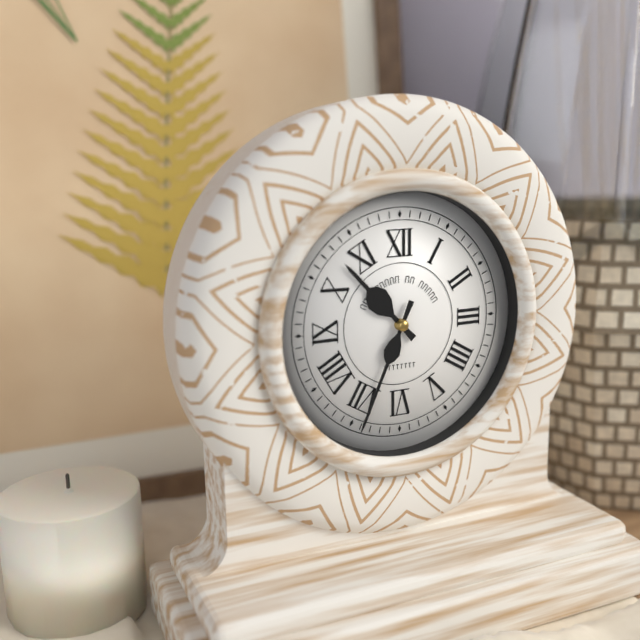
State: 10 h 34 min
